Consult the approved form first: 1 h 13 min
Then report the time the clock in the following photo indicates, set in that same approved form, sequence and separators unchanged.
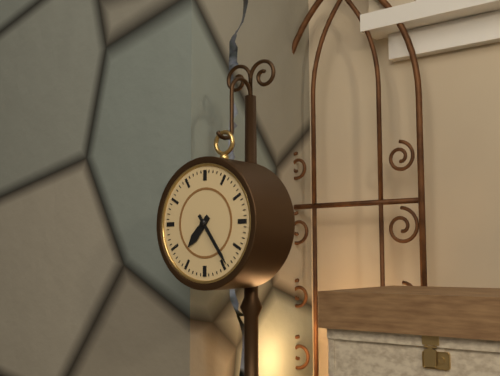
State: 7 h 24 min
